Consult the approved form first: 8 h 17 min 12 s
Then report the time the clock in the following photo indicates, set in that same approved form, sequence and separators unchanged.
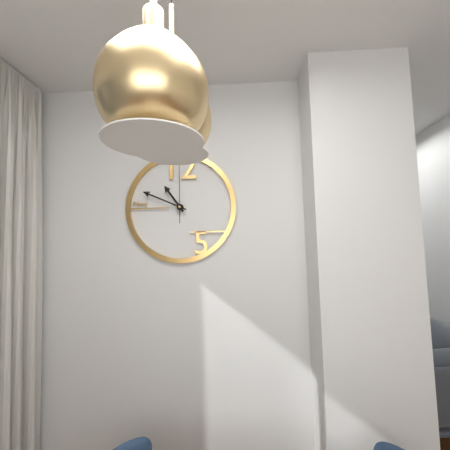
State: 10 h 49 min 00 s
